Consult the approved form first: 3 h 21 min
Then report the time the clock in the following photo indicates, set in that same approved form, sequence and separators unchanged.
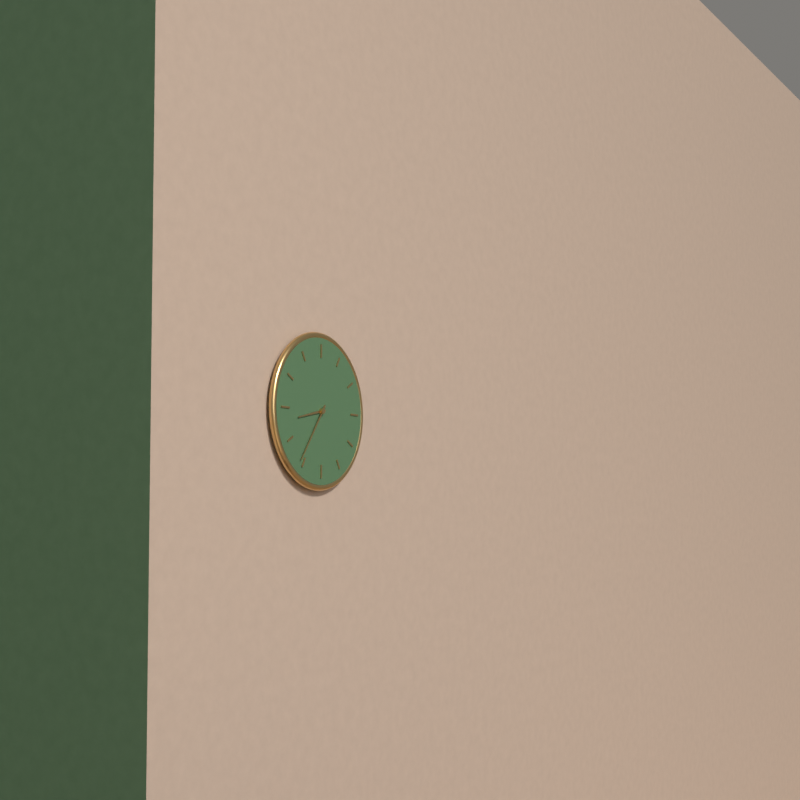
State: 8 h 36 min
